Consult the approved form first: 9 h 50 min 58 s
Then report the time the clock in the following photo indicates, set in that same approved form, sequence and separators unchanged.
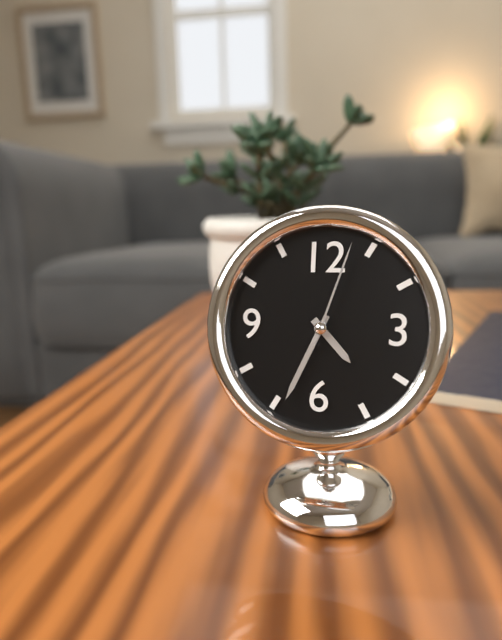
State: 4 h 34 min 03 s
